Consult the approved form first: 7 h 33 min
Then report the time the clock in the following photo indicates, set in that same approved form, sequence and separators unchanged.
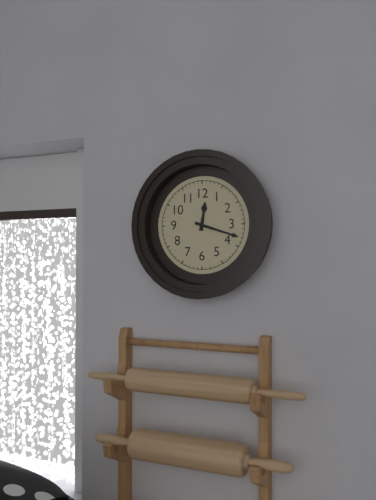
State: 12 h 18 min
